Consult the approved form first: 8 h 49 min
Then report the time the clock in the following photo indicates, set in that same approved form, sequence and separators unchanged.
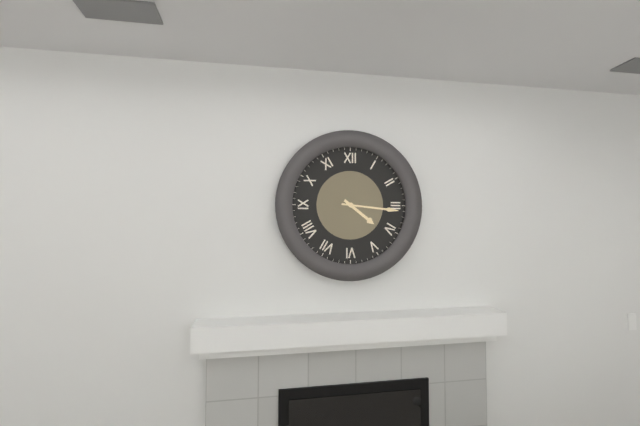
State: 4 h 16 min
